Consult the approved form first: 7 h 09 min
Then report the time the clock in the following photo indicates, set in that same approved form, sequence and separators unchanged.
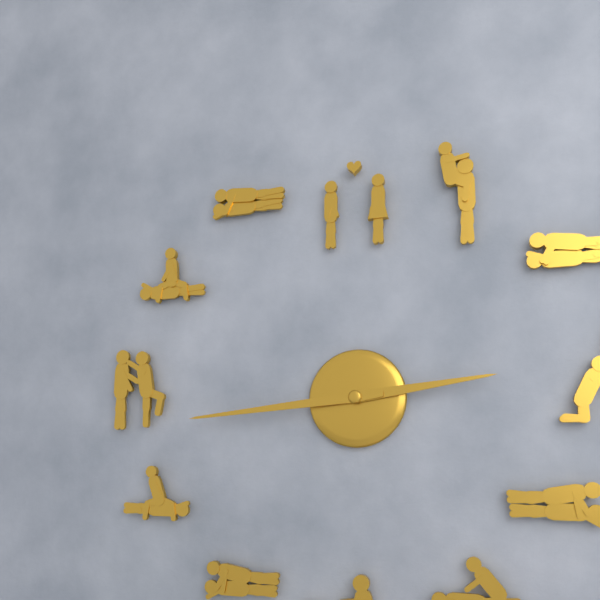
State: 2 h 44 min
